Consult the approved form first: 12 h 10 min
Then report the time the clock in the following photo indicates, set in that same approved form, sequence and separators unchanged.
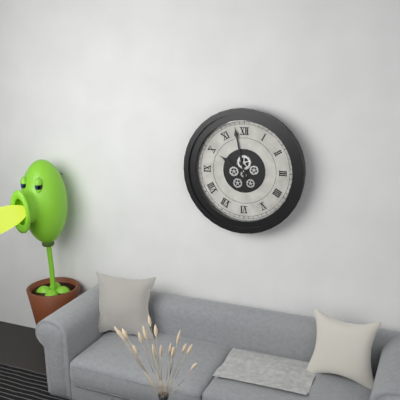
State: 9 h 58 min
